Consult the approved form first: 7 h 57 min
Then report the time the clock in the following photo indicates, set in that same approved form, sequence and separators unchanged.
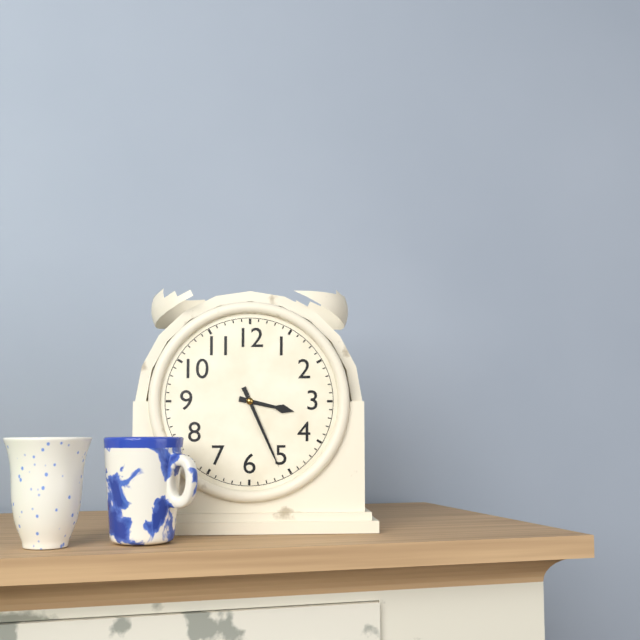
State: 3 h 26 min
